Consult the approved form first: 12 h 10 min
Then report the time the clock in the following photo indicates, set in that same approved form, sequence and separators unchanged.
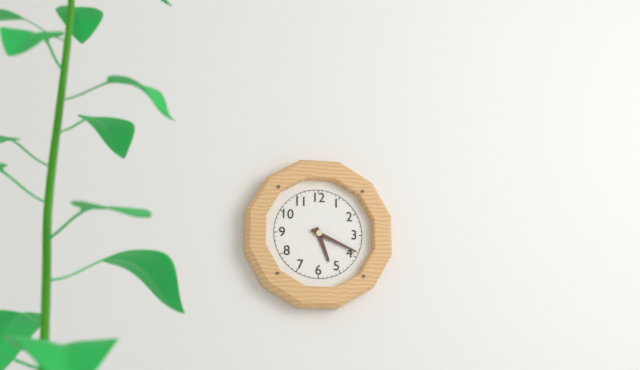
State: 5 h 19 min
